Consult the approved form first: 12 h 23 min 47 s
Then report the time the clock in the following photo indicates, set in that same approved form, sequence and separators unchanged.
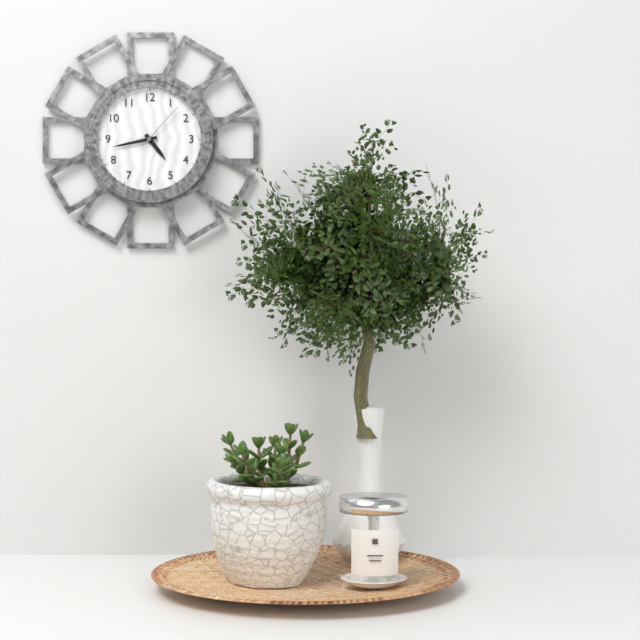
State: 4 h 43 min 07 s
